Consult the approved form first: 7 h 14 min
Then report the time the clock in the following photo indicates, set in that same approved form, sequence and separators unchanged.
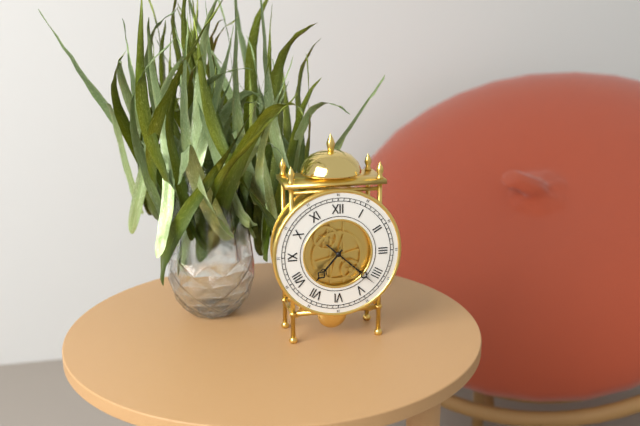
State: 7 h 22 min
